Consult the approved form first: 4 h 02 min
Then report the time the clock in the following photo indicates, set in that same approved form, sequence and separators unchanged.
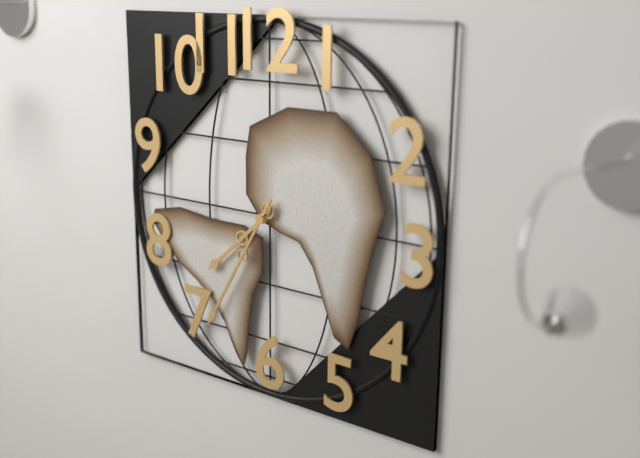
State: 7 h 35 min
